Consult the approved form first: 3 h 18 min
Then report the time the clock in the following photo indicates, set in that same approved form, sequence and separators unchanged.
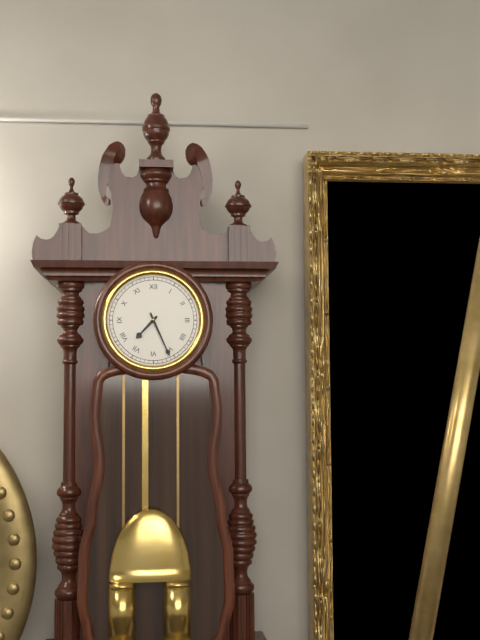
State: 7 h 26 min
